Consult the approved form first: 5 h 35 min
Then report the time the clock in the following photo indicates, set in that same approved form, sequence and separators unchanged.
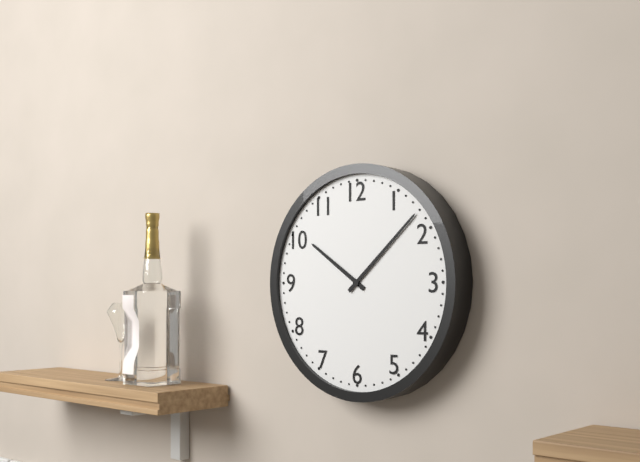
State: 10 h 08 min
